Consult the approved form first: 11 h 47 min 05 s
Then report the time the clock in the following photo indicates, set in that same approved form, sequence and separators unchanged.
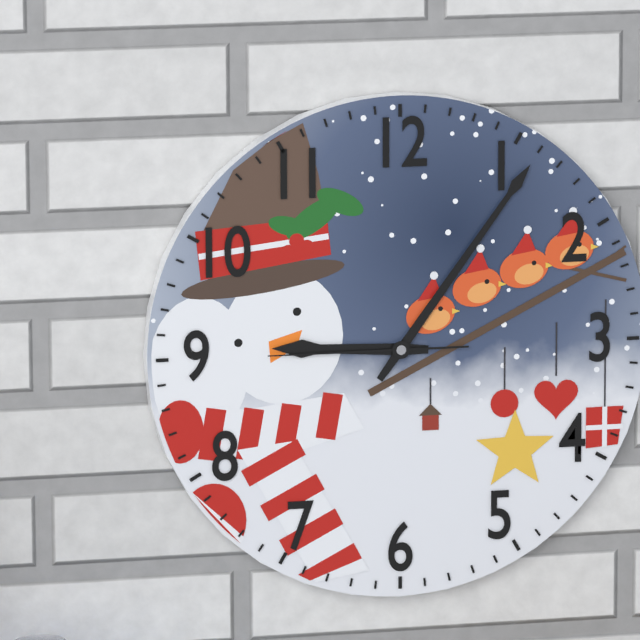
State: 9 h 06 min 45 s
